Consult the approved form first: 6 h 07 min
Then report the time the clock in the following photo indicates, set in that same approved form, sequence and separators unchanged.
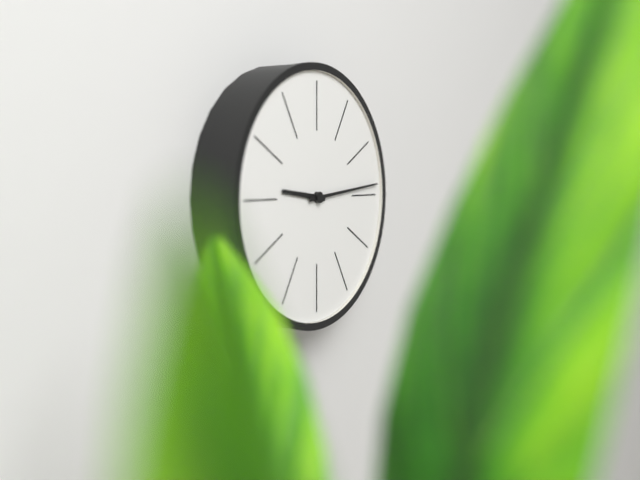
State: 9 h 14 min
